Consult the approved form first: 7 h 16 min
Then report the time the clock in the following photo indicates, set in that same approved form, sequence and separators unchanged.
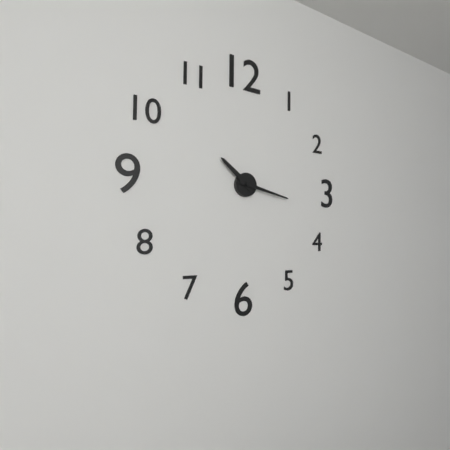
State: 10 h 17 min
